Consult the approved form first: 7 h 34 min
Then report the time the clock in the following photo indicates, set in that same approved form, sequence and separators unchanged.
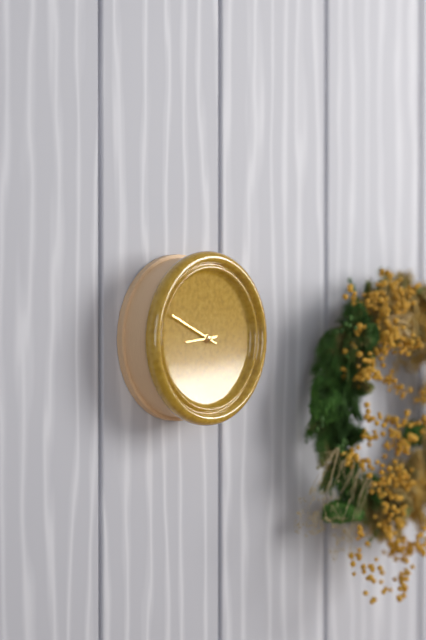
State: 8 h 49 min
